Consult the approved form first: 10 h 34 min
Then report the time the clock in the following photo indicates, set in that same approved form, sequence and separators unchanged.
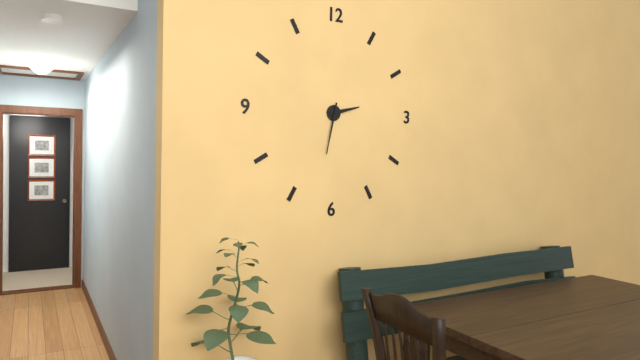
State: 2 h 32 min
